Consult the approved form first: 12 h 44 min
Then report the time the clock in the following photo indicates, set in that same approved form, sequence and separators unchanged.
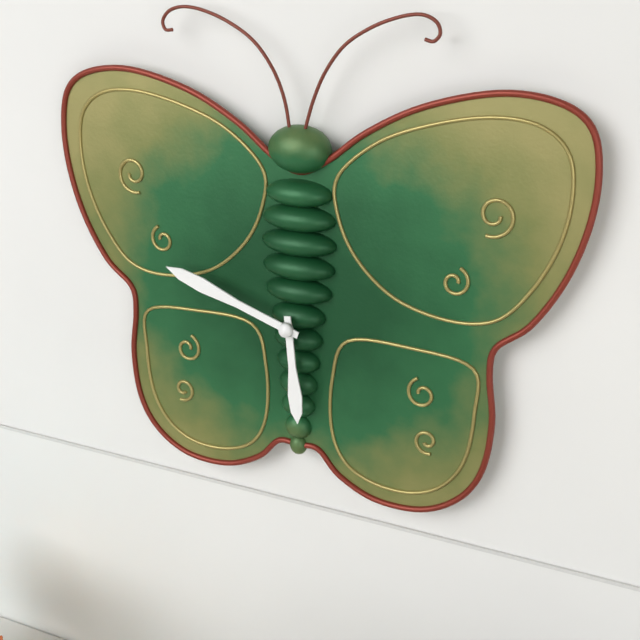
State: 5 h 48 min
